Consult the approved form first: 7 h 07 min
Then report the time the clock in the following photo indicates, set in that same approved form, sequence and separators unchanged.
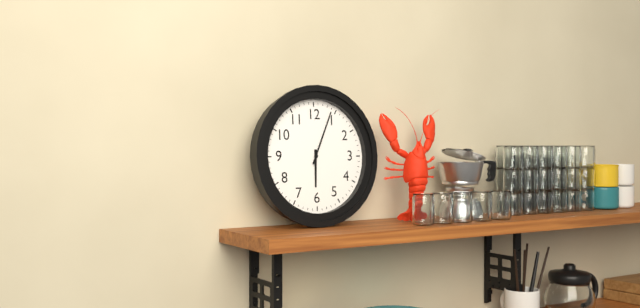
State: 6 h 04 min
